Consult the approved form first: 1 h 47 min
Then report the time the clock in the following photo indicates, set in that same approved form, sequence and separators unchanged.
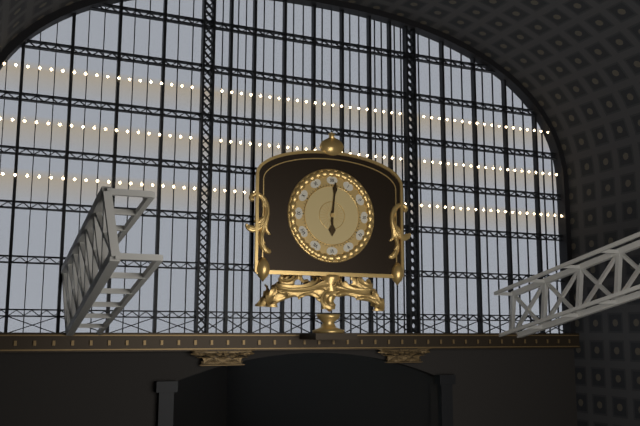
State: 6 h 01 min
